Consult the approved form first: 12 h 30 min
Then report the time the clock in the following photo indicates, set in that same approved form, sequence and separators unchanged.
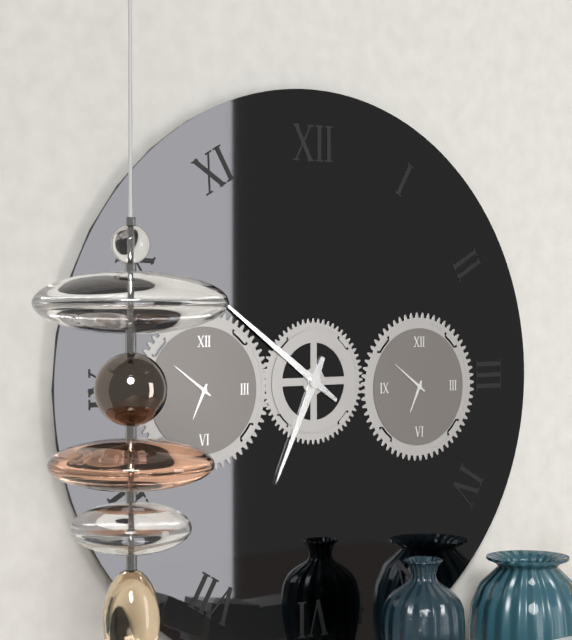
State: 6 h 51 min
